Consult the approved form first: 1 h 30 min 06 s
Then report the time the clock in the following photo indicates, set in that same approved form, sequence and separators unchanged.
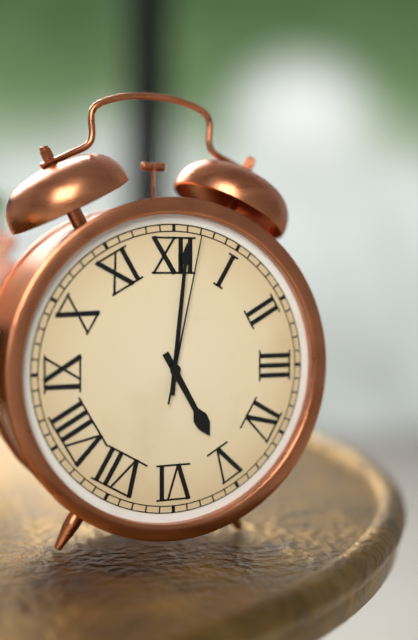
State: 5 h 01 min 02 s
